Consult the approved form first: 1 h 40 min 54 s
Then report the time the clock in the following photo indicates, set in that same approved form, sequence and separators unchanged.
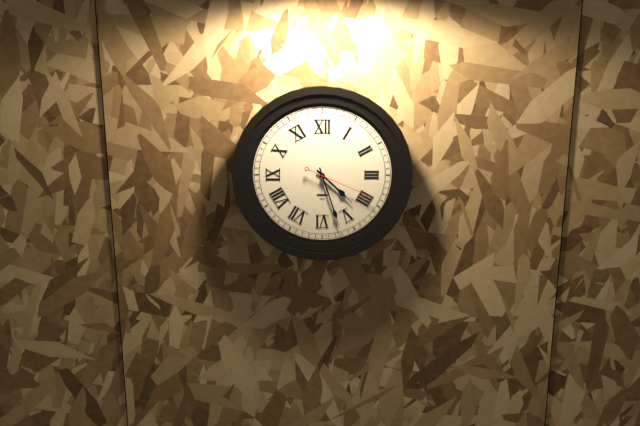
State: 4 h 27 min 19 s
